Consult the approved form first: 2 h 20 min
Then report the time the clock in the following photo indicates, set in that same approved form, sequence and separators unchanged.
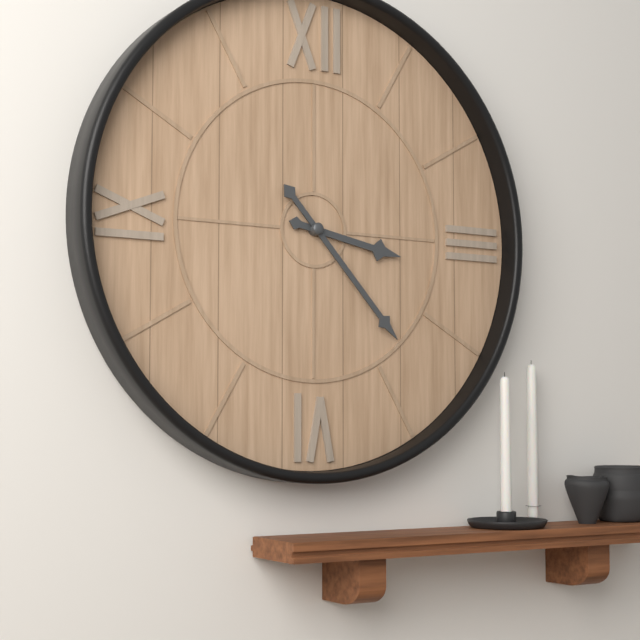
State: 3 h 23 min
